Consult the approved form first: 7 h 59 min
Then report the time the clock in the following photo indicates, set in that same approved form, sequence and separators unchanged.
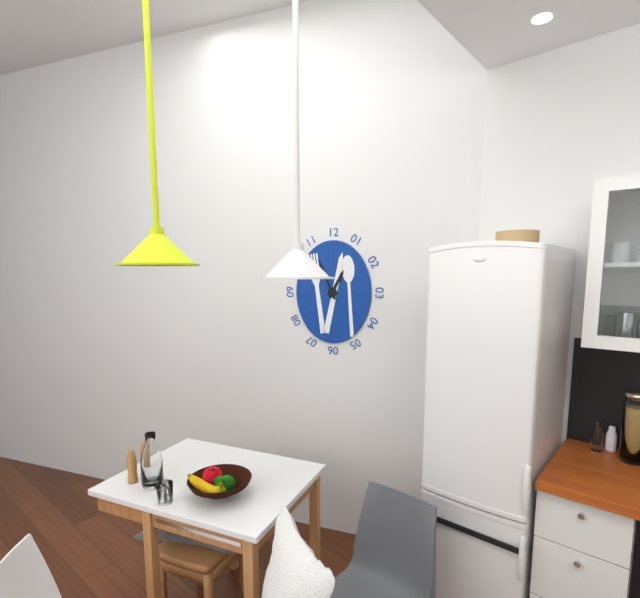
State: 12 h 56 min
